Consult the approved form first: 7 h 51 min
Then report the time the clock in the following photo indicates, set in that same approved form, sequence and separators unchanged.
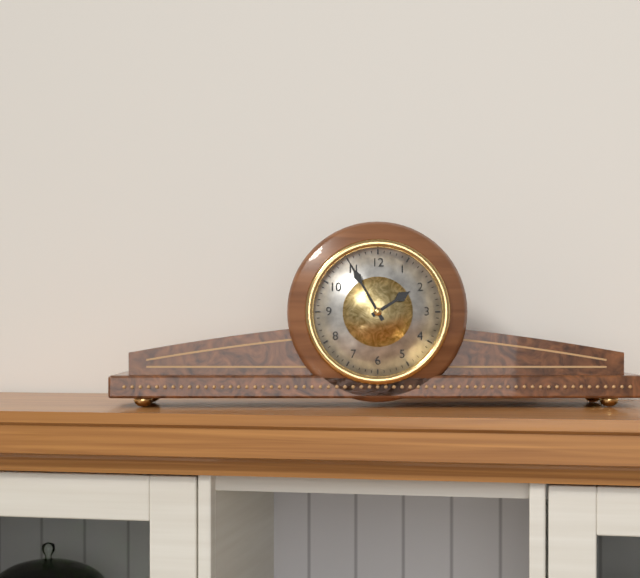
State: 1 h 55 min
